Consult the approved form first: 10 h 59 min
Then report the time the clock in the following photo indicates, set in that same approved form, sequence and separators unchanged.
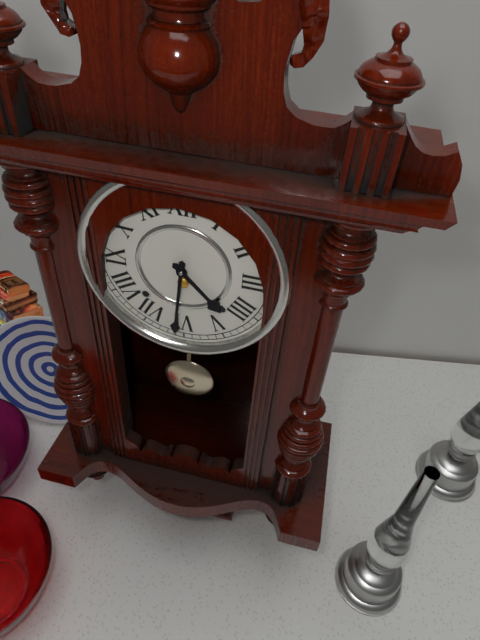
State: 4 h 31 min
